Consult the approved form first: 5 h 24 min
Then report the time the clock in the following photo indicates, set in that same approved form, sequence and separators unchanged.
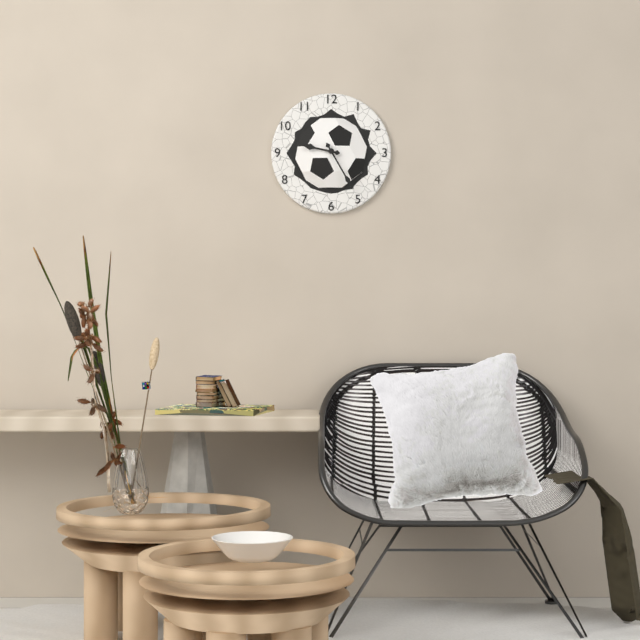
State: 9 h 25 min
